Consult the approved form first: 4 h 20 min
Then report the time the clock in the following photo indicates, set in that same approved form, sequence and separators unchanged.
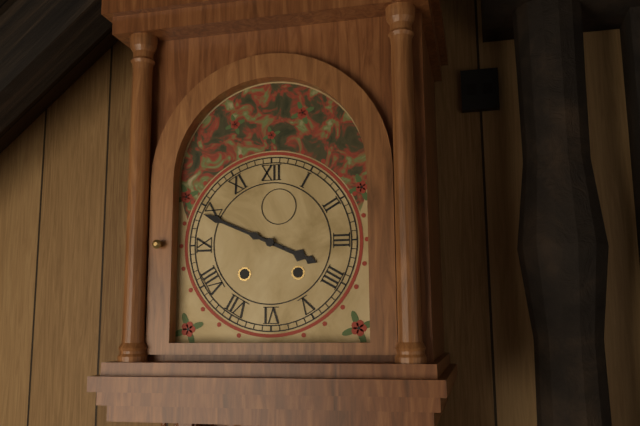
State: 3 h 49 min
